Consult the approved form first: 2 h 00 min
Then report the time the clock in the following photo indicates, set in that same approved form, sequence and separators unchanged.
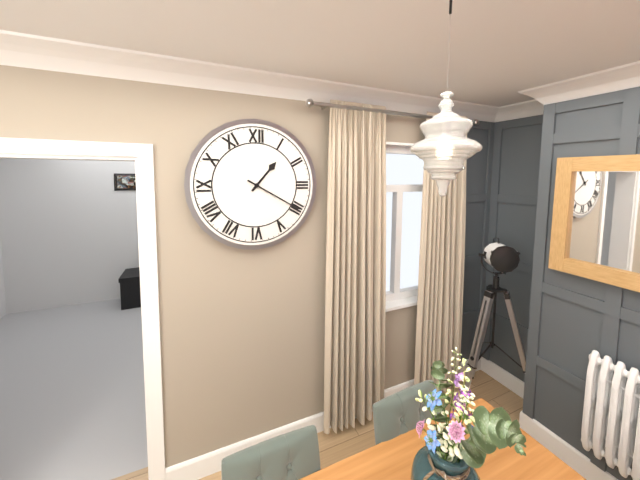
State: 1 h 20 min
